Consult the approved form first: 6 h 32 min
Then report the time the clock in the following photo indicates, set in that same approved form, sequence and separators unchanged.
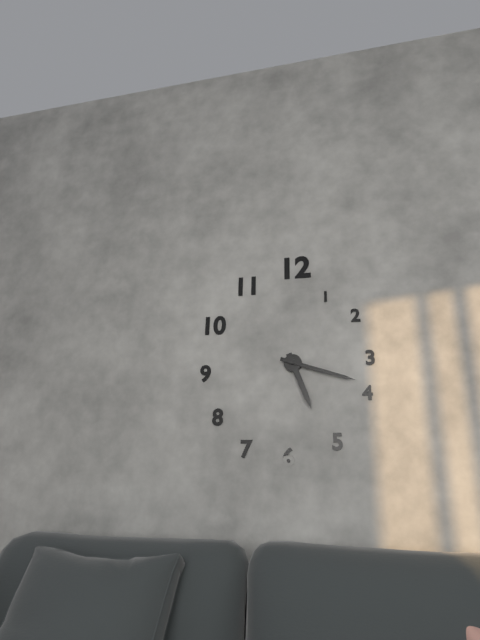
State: 5 h 18 min
